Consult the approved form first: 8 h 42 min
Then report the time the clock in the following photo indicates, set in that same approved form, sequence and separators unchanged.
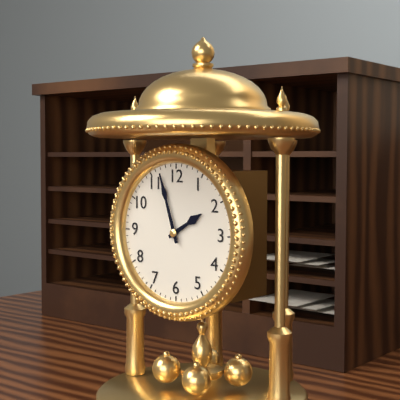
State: 1 h 57 min
